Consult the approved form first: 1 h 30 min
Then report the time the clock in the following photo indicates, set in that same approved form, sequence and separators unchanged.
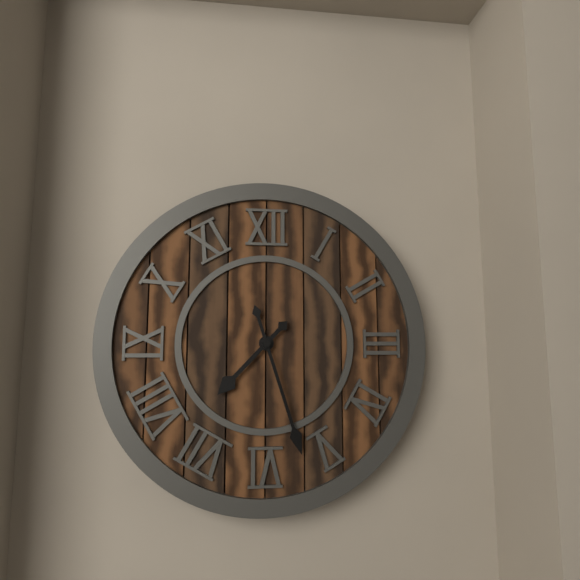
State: 7 h 27 min
